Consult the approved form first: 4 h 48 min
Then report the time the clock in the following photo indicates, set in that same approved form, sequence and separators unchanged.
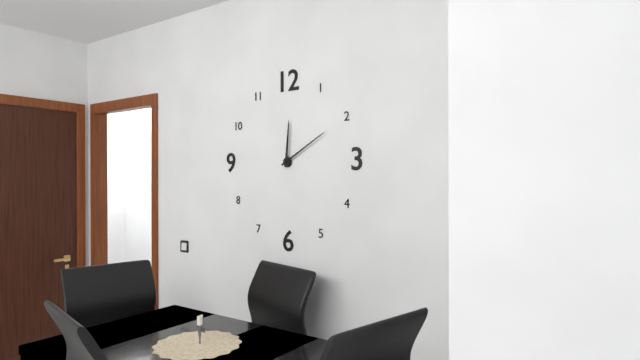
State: 12 h 10 min
